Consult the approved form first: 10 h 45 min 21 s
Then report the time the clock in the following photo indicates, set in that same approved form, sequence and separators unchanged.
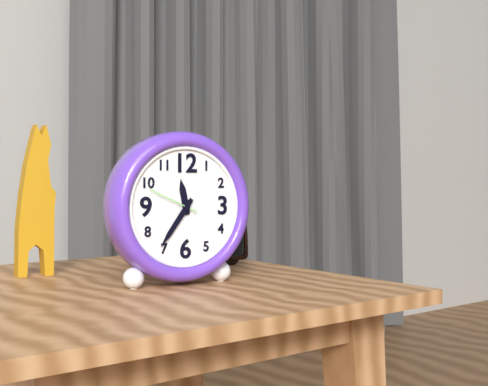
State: 11 h 36 min 49 s
